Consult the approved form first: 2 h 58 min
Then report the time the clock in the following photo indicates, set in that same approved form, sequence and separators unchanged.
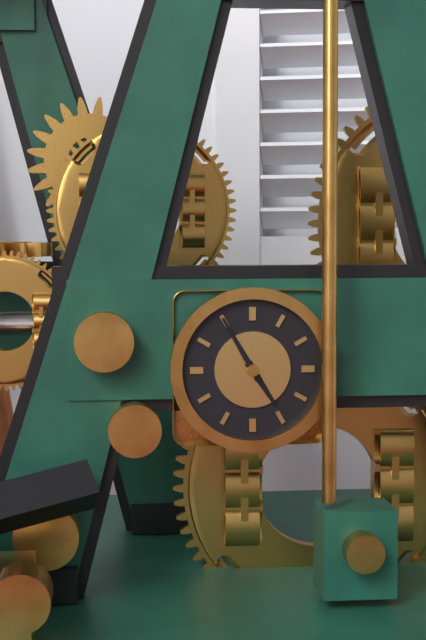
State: 4 h 55 min
